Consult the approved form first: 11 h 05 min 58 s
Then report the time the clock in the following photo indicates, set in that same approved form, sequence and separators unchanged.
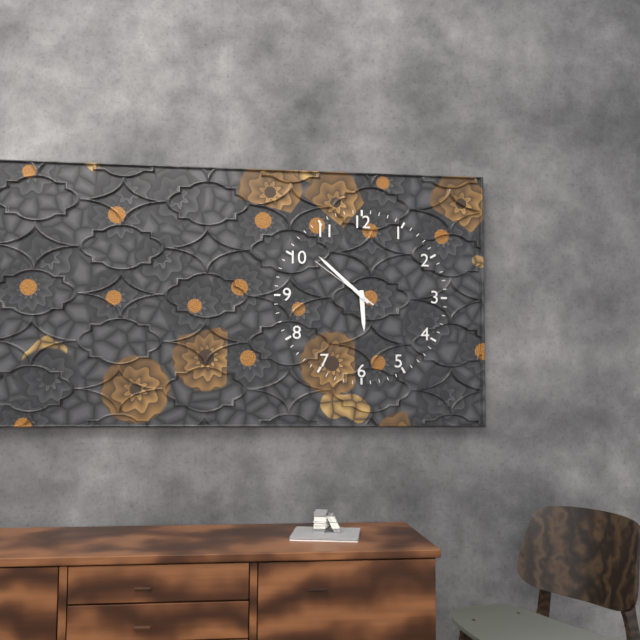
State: 5 h 52 min 51 s
